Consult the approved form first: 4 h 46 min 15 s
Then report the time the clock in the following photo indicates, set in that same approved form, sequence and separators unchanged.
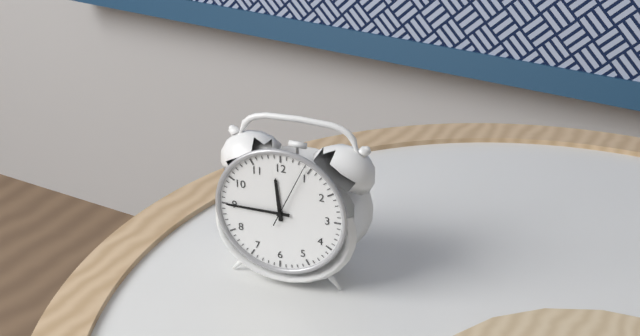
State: 11 h 45 min 04 s
